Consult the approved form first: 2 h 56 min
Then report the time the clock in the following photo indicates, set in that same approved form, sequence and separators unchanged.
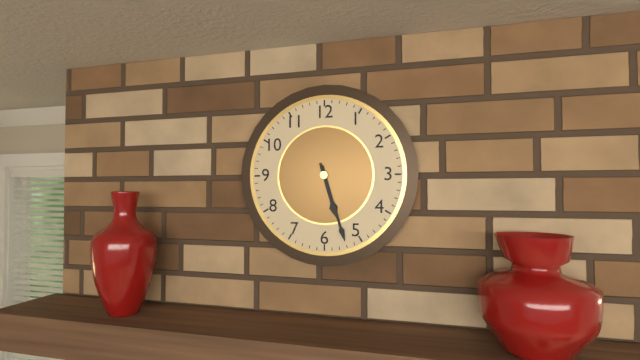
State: 5 h 27 min
